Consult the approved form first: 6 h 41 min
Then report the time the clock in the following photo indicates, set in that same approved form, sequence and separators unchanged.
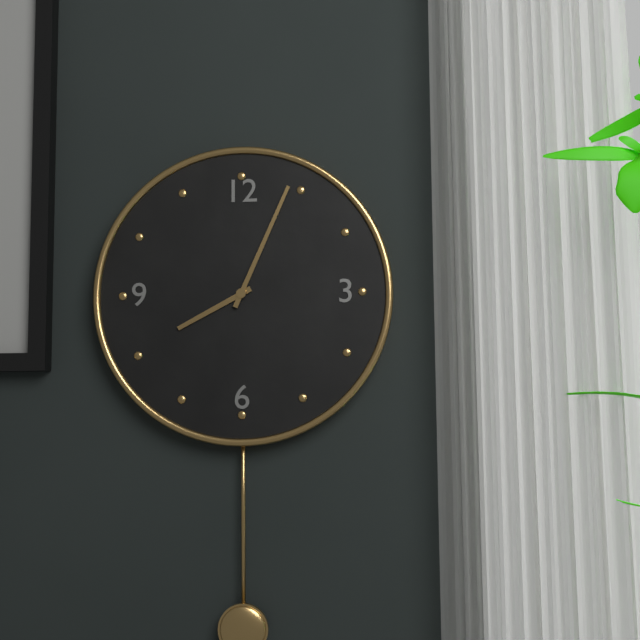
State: 8 h 04 min
